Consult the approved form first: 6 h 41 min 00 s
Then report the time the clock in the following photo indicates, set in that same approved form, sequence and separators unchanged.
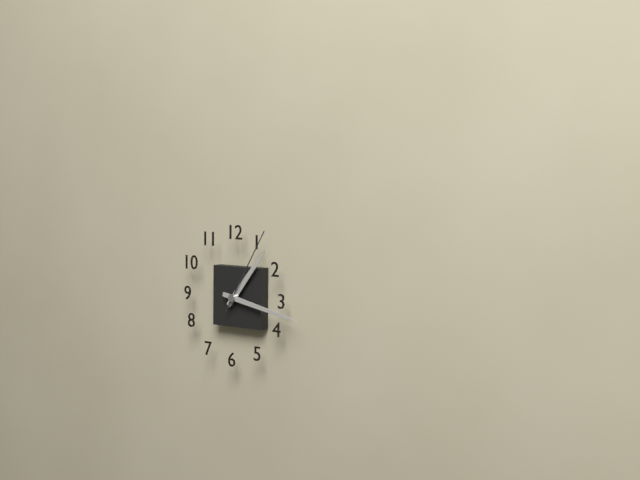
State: 1 h 17 min 05 s
